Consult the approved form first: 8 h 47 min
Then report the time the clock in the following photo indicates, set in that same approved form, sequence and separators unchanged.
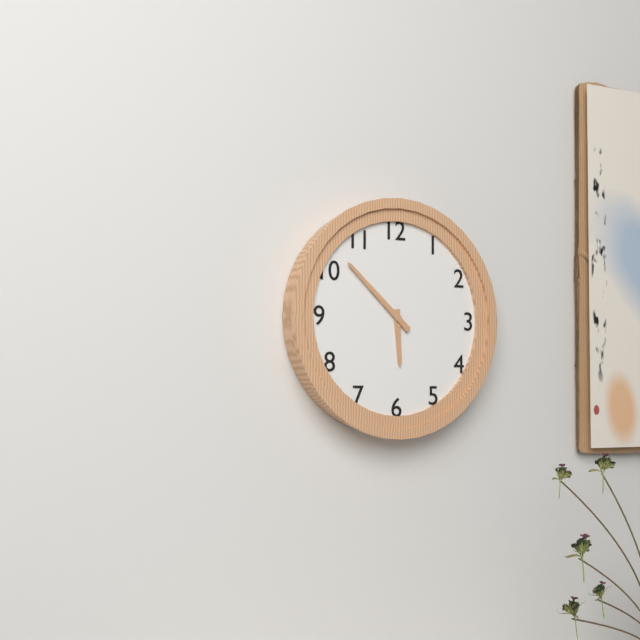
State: 5 h 52 min
